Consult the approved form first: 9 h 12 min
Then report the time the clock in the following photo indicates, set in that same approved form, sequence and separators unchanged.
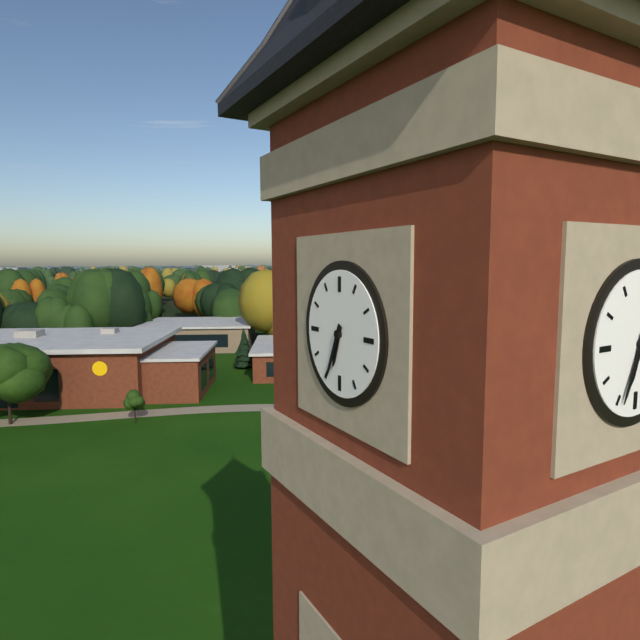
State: 6 h 34 min
